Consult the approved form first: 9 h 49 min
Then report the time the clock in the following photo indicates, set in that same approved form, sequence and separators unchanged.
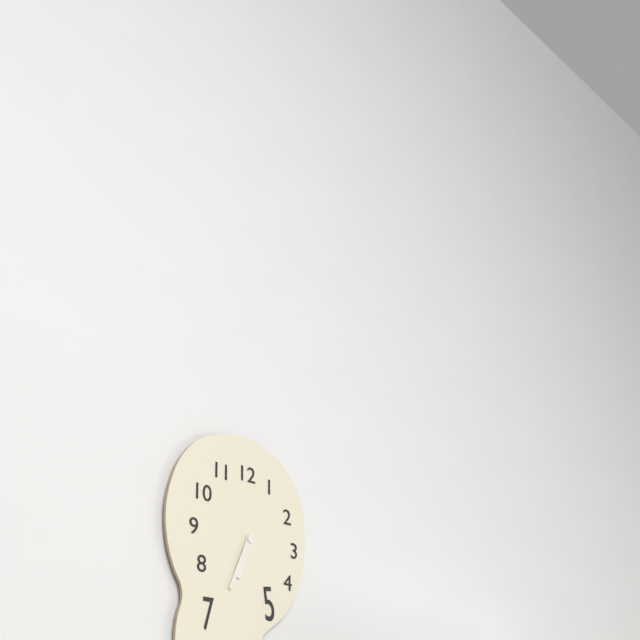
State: 6 h 34 min
